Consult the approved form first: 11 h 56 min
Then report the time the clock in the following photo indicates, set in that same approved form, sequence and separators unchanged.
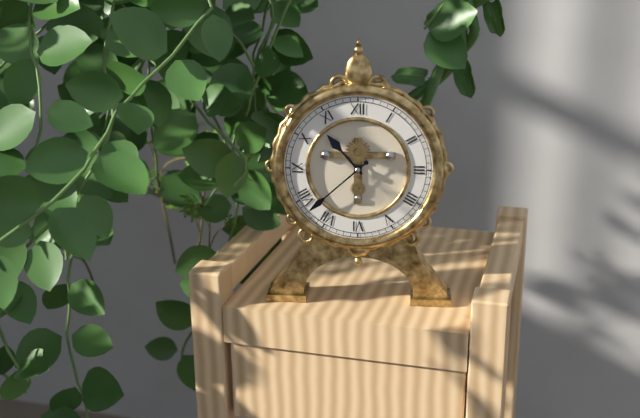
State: 10 h 38 min
